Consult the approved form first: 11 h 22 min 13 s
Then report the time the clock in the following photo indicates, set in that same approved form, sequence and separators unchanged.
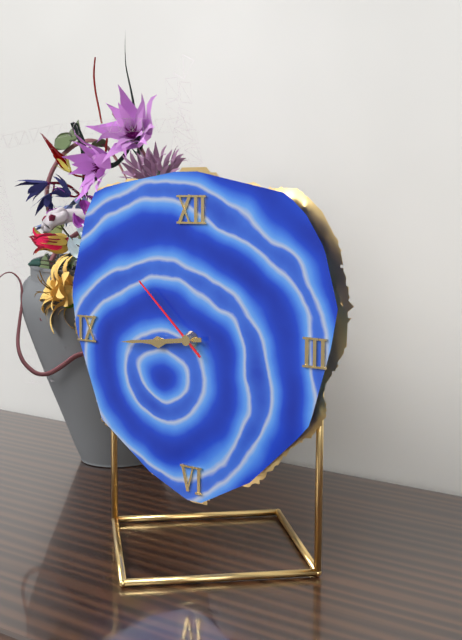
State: 8 h 44 min 52 s
